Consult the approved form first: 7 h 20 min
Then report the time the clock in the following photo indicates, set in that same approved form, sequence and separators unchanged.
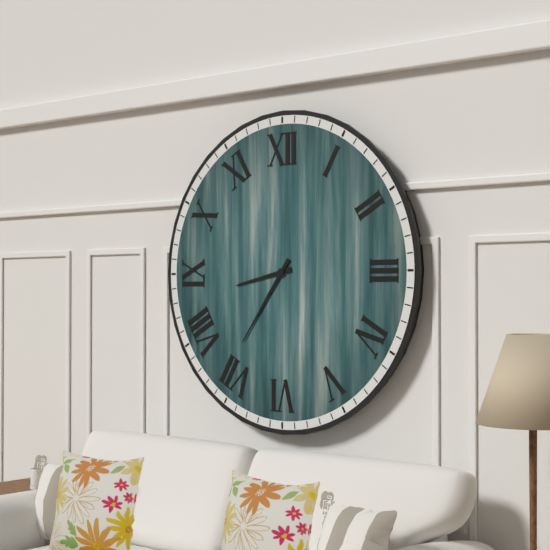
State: 8 h 36 min
